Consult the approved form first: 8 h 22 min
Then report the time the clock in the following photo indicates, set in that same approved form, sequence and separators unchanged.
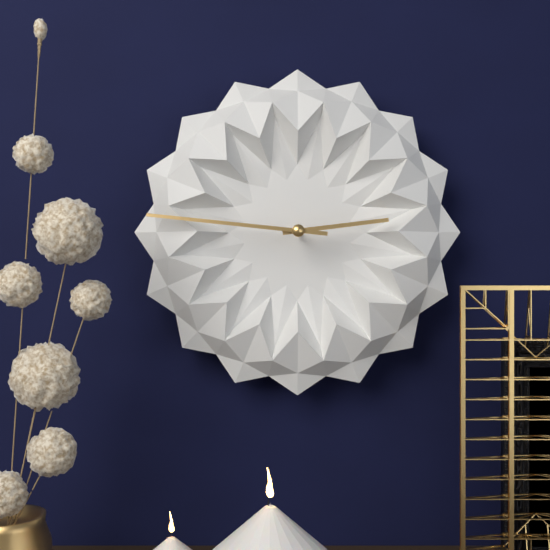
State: 2 h 46 min
